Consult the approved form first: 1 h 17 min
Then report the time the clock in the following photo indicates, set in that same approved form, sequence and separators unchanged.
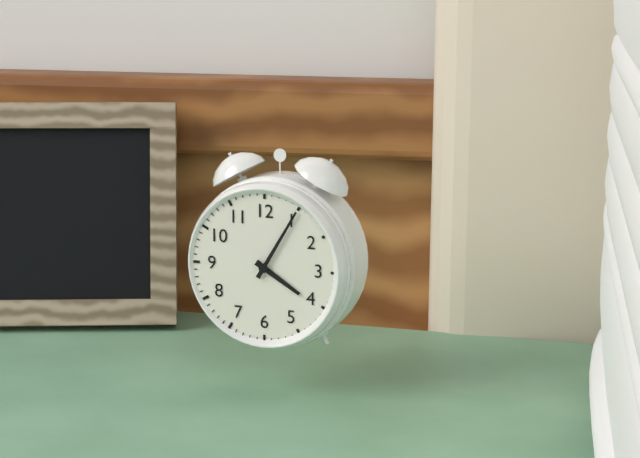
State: 4 h 05 min
